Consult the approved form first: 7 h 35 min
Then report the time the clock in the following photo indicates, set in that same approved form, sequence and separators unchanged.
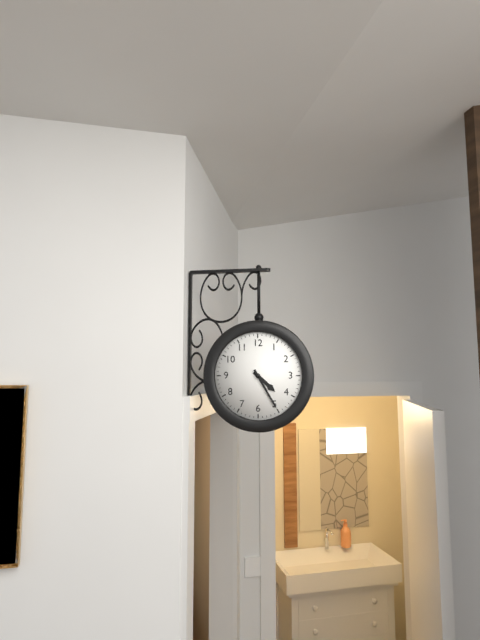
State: 4 h 25 min
